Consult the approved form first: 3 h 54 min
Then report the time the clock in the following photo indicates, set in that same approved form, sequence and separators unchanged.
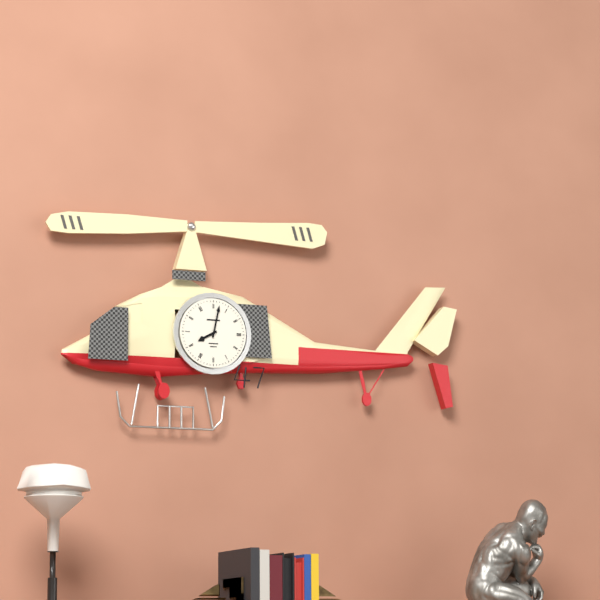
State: 8 h 02 min
